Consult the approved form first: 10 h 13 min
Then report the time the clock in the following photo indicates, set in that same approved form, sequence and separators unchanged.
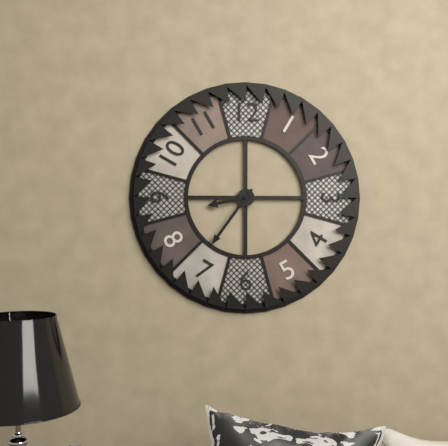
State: 8 h 36 min
